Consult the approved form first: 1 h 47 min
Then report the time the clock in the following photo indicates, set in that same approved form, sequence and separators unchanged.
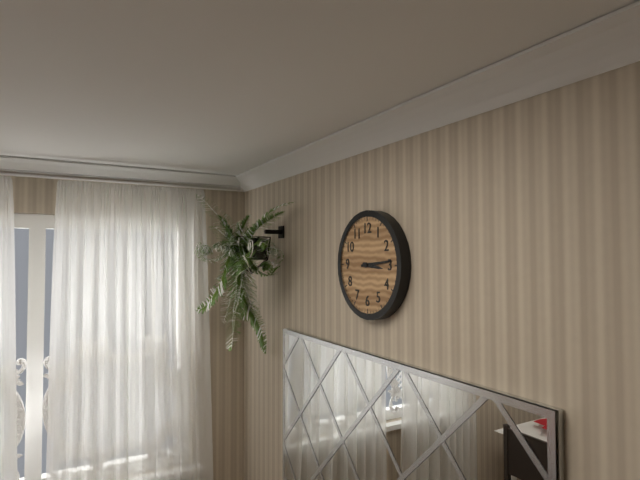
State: 3 h 14 min
